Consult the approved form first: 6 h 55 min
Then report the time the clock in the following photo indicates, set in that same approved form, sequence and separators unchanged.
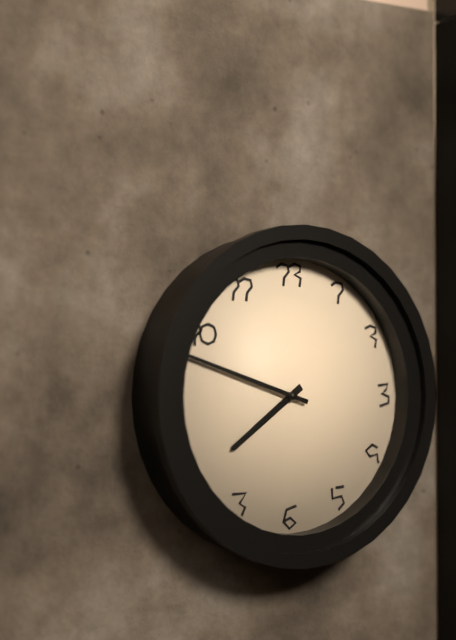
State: 7 h 48 min
